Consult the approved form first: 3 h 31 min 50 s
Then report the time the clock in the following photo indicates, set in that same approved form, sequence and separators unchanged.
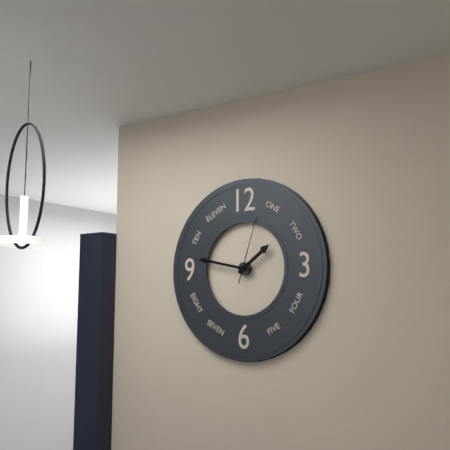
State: 1 h 47 min 03 s
